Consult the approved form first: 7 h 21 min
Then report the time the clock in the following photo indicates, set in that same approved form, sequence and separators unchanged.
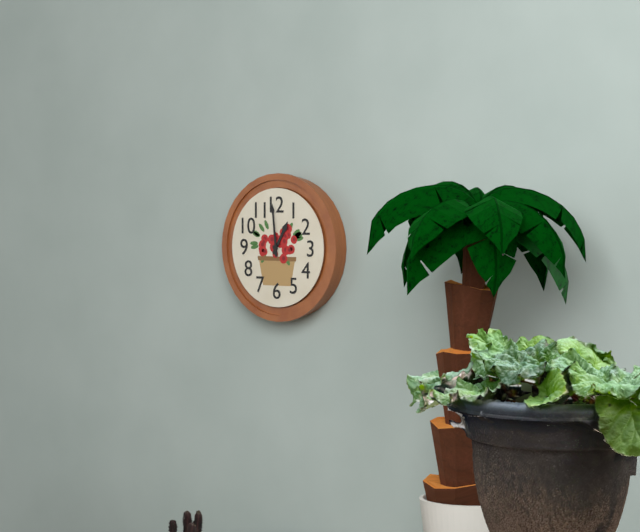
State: 12 h 59 min
